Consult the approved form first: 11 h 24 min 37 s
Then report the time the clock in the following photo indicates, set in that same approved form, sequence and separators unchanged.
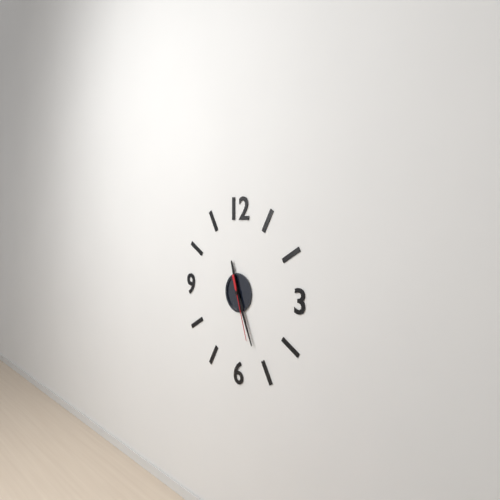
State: 11 h 26 min 27 s
